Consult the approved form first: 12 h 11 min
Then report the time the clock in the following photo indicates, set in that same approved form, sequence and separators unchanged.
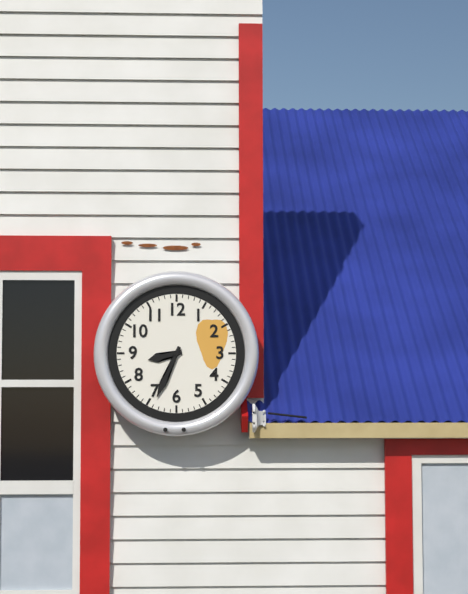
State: 8 h 34 min
